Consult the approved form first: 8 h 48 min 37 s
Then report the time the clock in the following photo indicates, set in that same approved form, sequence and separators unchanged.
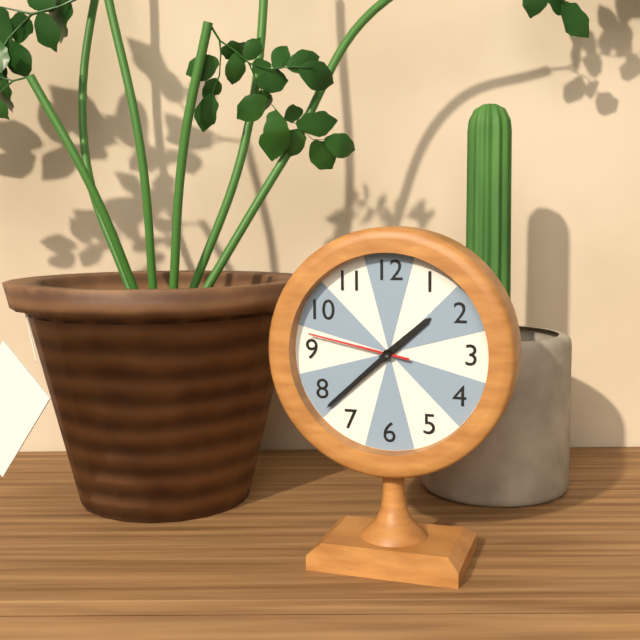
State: 1 h 38 min 47 s
